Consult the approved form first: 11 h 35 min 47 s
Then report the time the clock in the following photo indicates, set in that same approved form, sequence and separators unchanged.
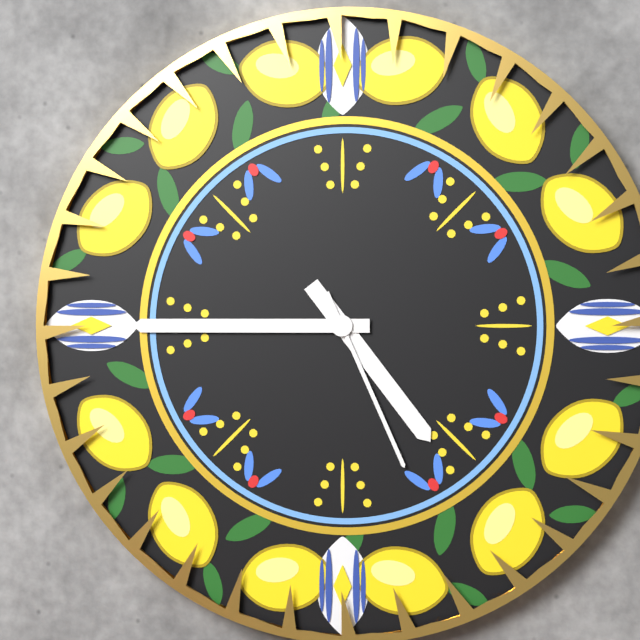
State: 4 h 45 min 26 s
